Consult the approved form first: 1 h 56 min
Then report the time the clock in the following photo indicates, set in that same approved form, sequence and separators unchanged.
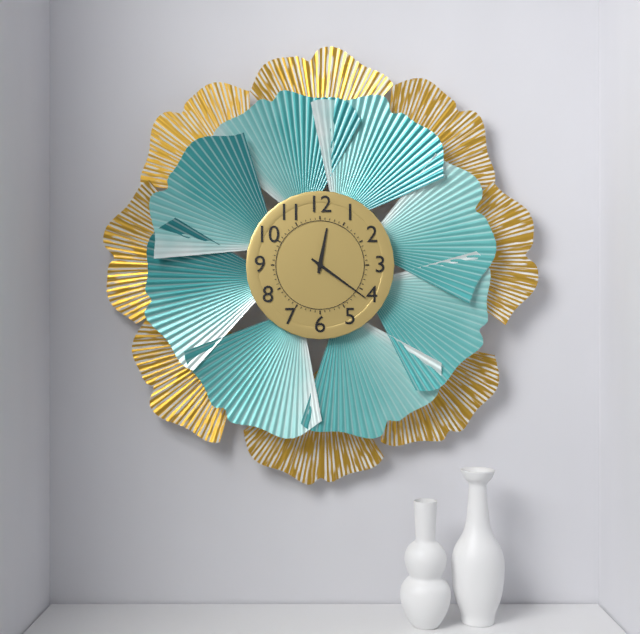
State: 12 h 21 min
